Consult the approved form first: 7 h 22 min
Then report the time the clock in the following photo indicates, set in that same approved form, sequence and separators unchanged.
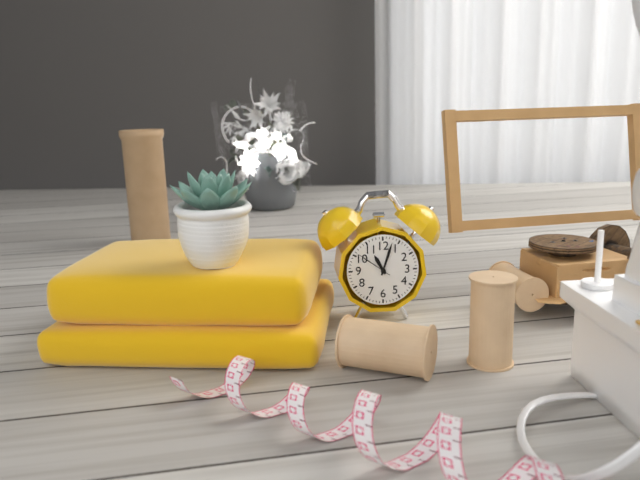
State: 11 h 03 min
